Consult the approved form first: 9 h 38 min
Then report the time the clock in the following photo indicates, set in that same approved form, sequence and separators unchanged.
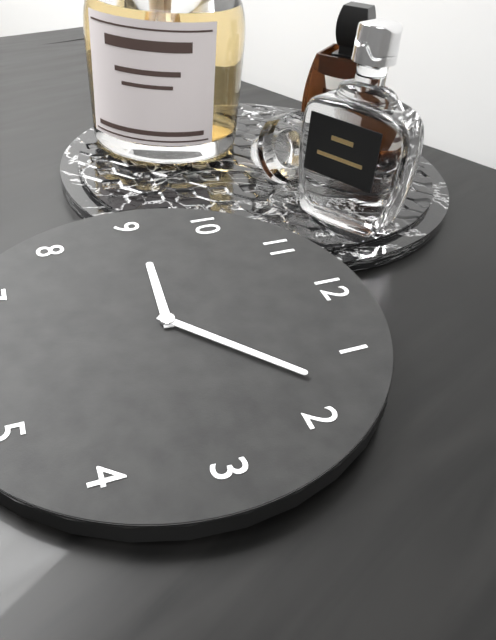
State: 9 h 08 min
